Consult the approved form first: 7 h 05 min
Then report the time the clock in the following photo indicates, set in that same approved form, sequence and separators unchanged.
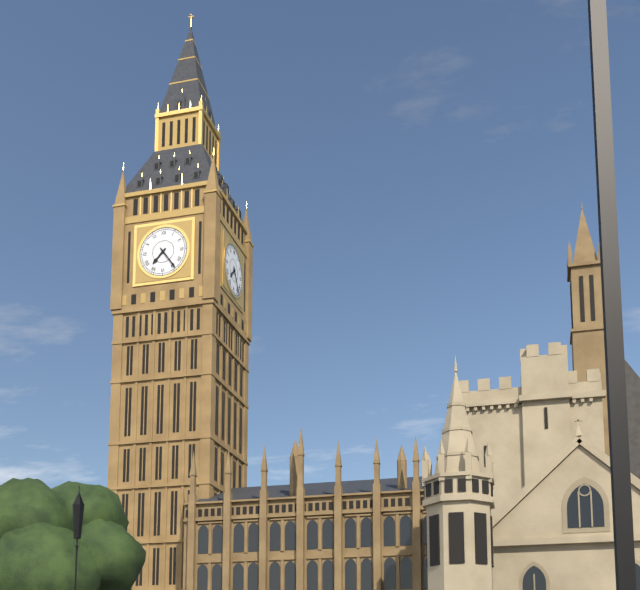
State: 7 h 24 min
